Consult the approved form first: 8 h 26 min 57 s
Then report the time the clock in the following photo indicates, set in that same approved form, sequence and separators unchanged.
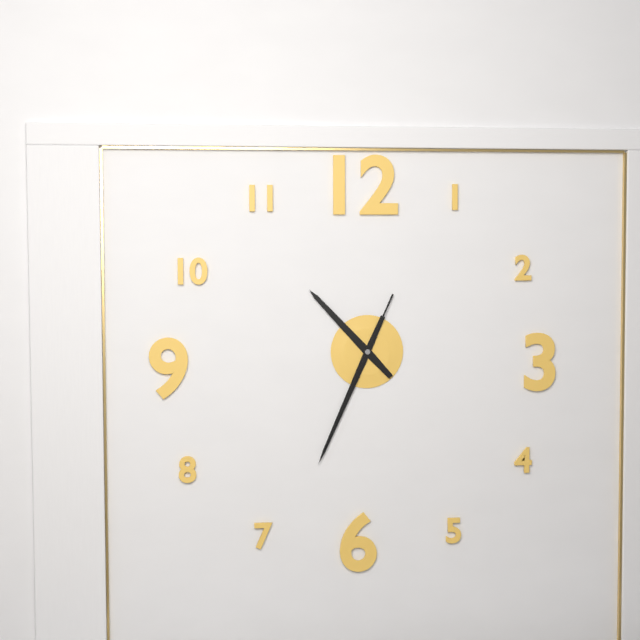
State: 10 h 34 min 34 s
